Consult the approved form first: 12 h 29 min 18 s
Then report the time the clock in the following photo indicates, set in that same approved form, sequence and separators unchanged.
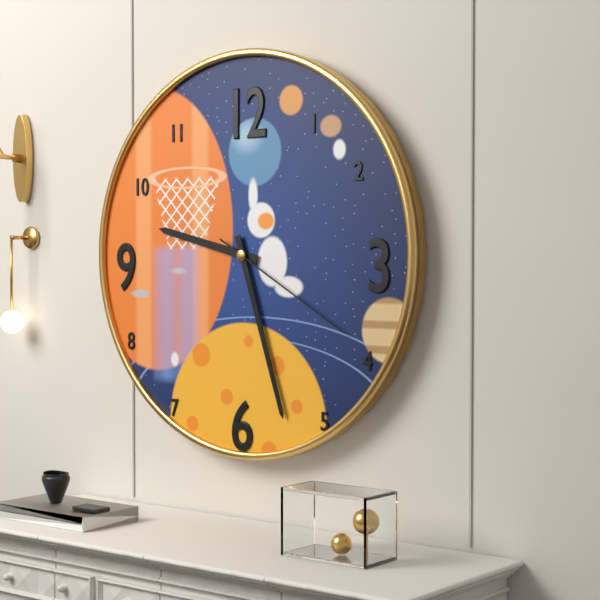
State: 9 h 27 min 20 s
